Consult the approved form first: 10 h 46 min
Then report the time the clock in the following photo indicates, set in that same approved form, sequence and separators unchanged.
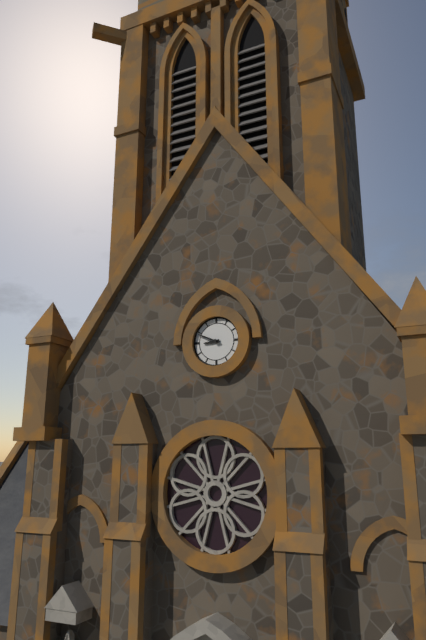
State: 8 h 49 min
